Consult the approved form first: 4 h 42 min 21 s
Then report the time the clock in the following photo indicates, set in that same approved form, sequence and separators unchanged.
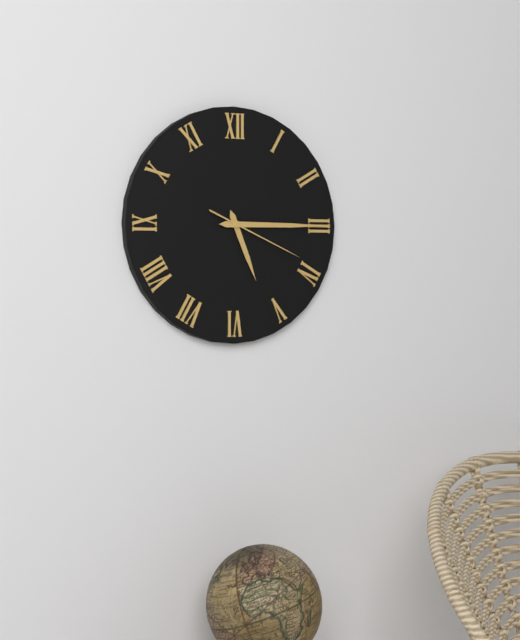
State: 5 h 15 min 19 s
